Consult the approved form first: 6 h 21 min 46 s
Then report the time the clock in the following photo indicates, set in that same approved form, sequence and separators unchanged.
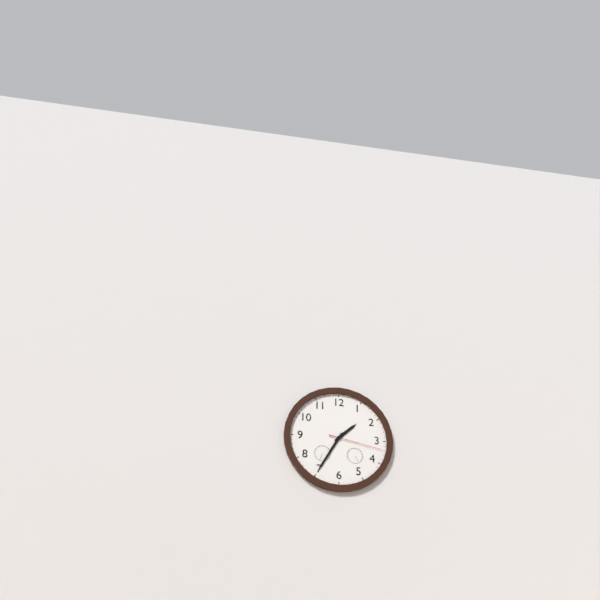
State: 1 h 35 min 17 s
